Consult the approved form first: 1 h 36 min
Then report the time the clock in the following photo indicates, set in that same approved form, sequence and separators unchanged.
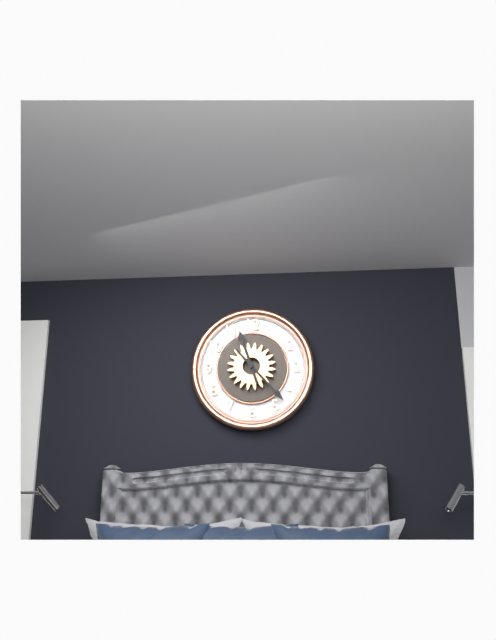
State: 11 h 23 min
